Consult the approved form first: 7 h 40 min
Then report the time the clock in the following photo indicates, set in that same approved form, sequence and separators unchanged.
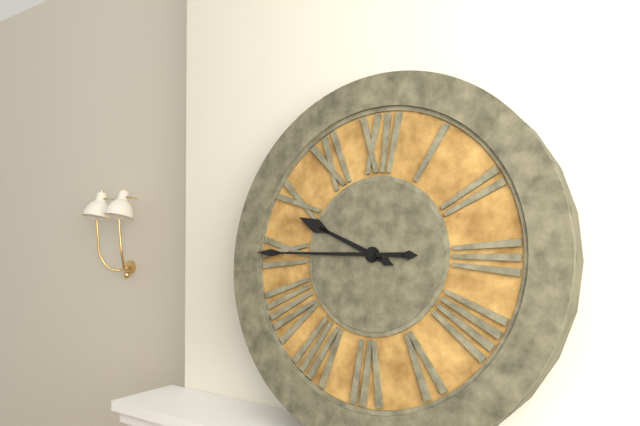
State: 9 h 45 min
